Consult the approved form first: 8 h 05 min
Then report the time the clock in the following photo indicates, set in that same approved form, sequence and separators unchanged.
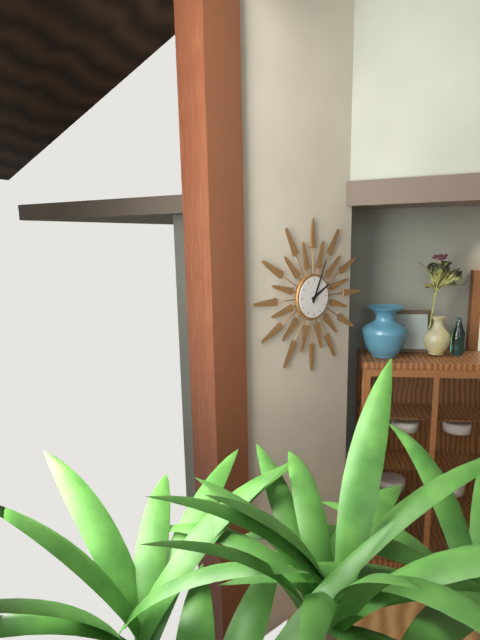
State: 2 h 04 min
